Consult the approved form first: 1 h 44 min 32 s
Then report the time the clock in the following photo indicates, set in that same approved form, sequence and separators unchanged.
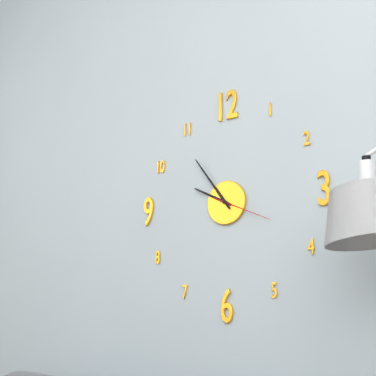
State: 9 h 54 min 19 s
